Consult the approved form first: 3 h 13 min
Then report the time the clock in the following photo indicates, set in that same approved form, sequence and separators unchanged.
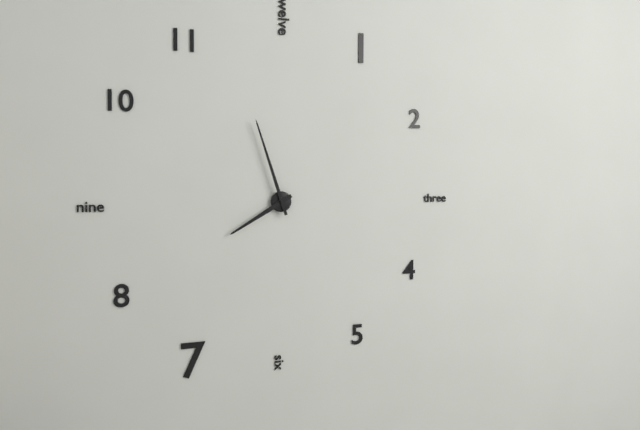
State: 7 h 57 min
